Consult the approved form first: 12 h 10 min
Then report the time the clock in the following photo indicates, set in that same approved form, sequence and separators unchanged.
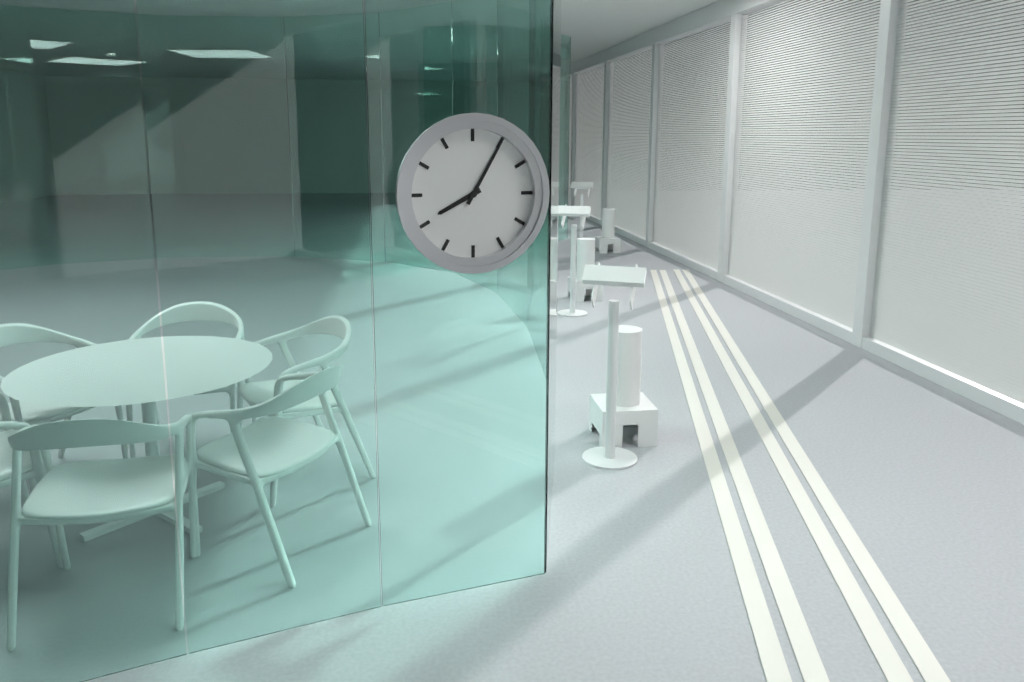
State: 8 h 05 min
